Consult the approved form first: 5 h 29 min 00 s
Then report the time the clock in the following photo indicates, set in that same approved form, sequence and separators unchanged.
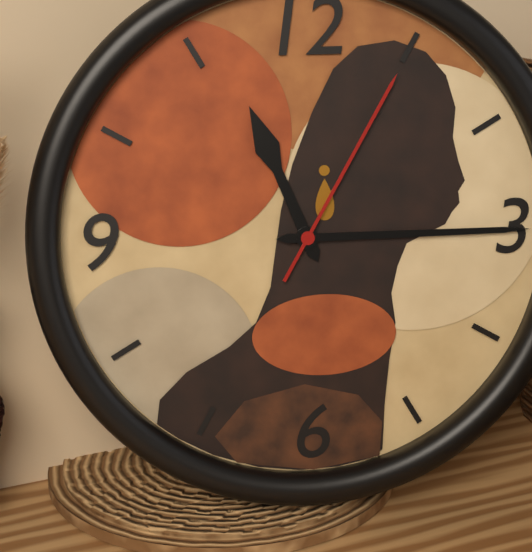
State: 11 h 15 min 05 s
